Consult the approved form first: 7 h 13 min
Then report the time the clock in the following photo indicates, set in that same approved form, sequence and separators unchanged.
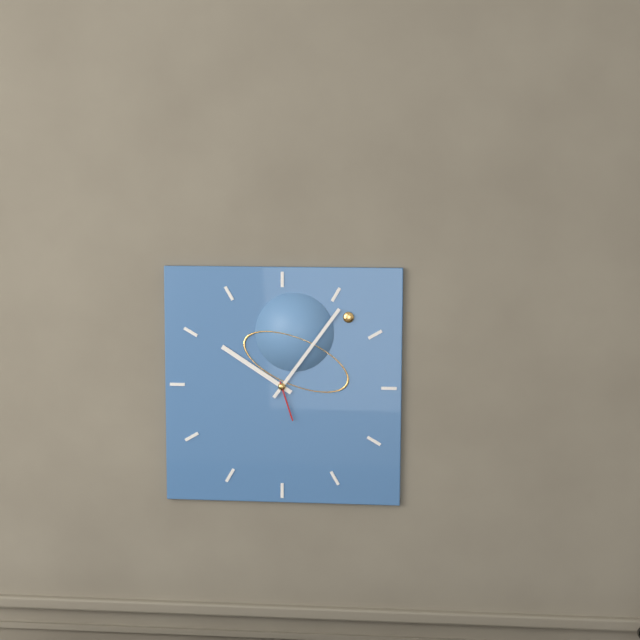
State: 10 h 06 min
